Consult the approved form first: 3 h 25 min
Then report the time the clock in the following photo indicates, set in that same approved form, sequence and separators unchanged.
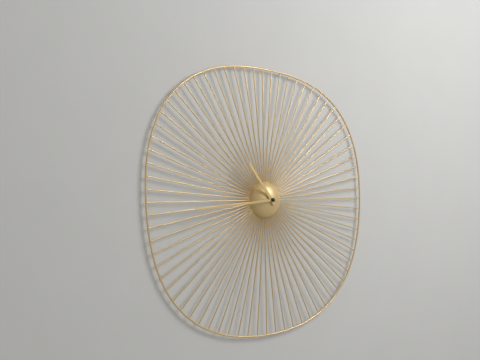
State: 10 h 44 min
